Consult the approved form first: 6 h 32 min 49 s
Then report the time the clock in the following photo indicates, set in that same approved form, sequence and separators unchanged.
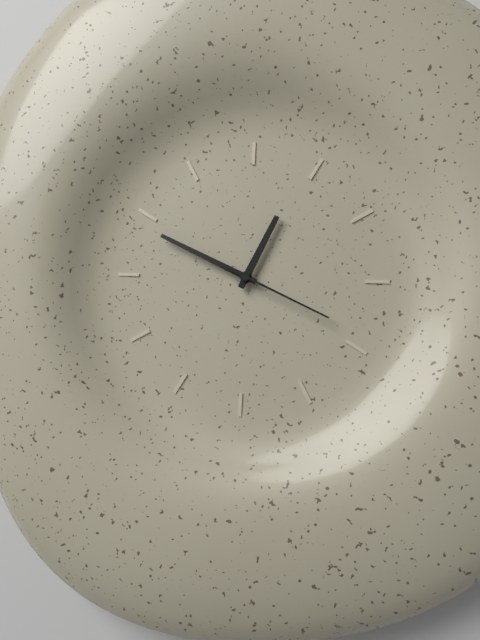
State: 12 h 49 min 19 s
